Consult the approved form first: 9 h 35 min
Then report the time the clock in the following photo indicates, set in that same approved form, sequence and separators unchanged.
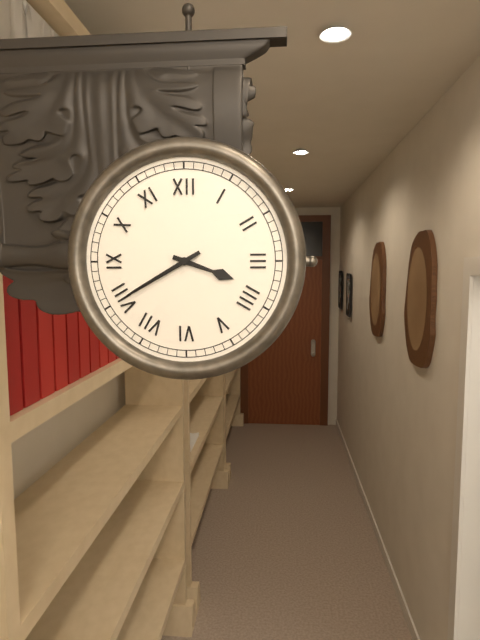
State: 3 h 40 min
